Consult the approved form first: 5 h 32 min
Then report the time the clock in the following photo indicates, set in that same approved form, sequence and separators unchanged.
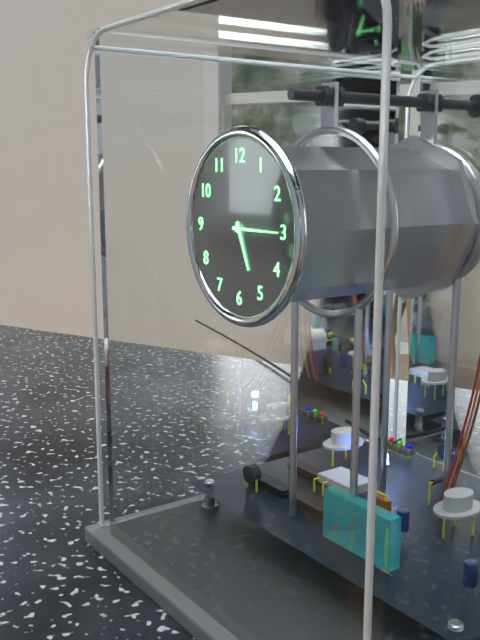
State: 5 h 15 min
